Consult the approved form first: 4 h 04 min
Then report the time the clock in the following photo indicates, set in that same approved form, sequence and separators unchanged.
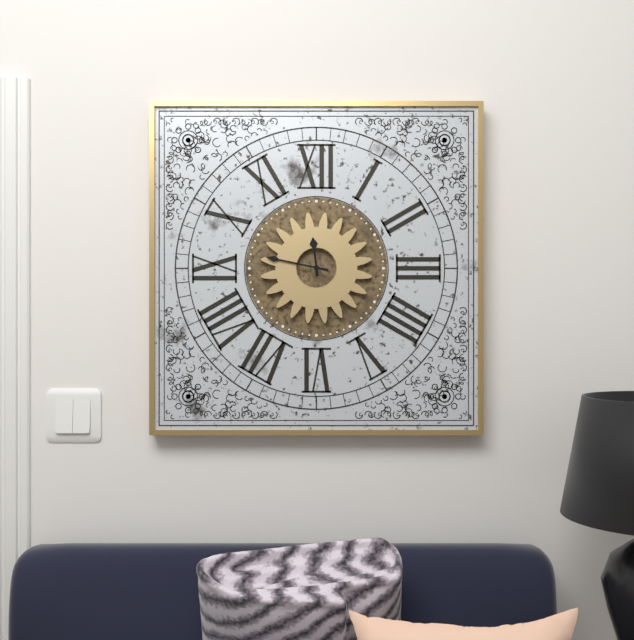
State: 11 h 47 min
